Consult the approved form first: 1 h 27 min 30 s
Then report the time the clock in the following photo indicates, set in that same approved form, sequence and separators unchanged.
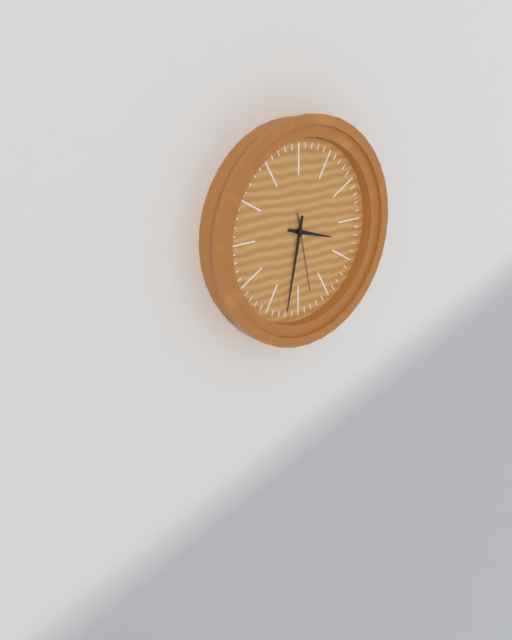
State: 3 h 32 min 28 s
